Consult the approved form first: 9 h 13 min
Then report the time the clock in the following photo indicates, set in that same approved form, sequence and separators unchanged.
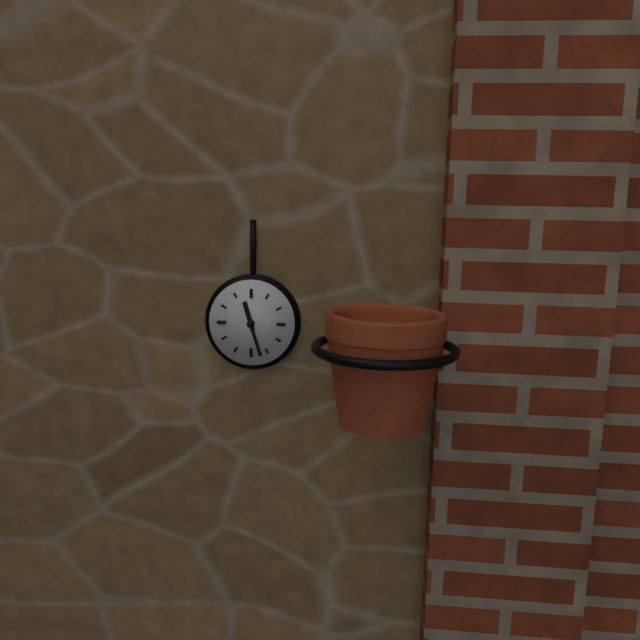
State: 11 h 27 min
